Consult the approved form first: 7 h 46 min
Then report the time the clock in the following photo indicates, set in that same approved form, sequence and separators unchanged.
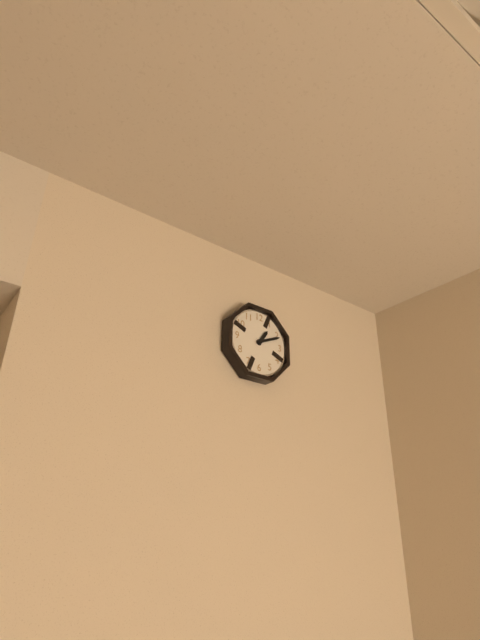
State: 1 h 11 min
